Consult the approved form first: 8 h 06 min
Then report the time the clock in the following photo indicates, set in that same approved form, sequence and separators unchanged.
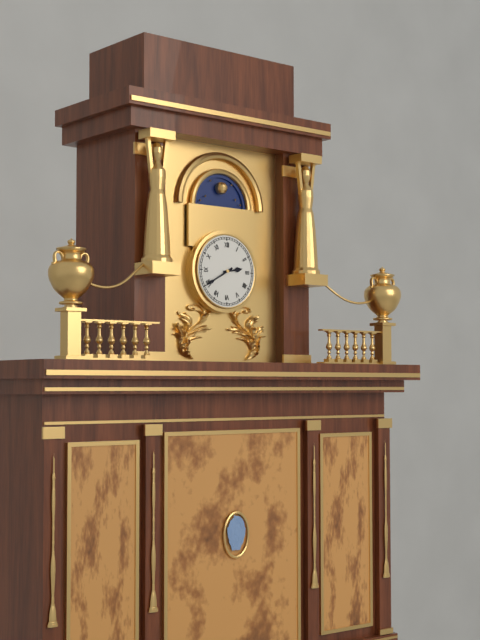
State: 2 h 40 min
